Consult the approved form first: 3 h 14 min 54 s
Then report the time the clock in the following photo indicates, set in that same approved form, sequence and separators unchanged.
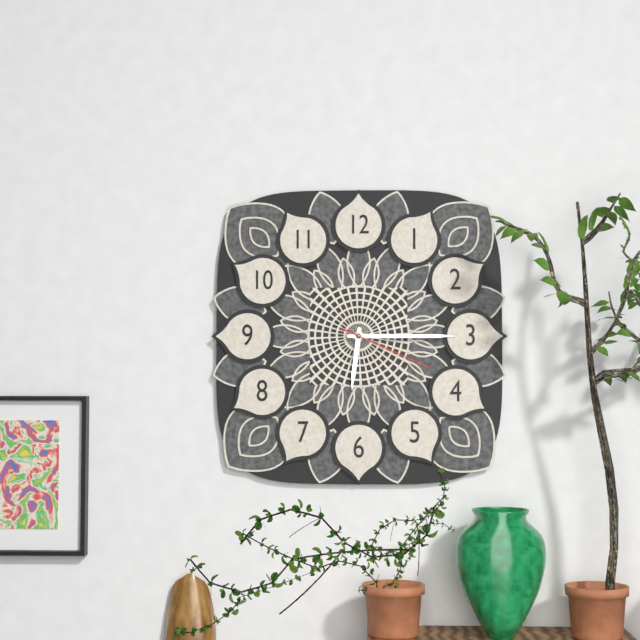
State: 6 h 15 min 19 s
